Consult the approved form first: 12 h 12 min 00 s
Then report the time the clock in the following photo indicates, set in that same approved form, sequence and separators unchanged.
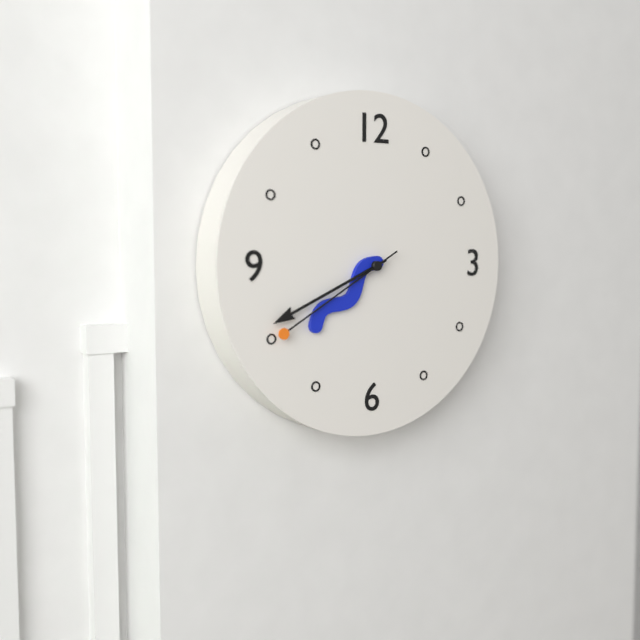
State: 7 h 41 min 40 s
